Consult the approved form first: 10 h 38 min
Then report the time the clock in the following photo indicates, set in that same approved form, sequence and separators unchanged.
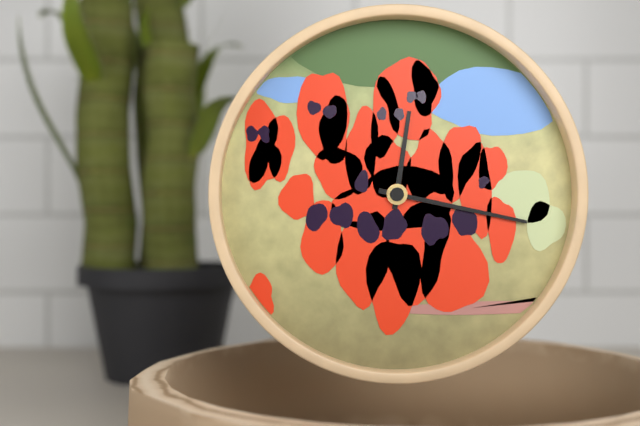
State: 12 h 17 min
